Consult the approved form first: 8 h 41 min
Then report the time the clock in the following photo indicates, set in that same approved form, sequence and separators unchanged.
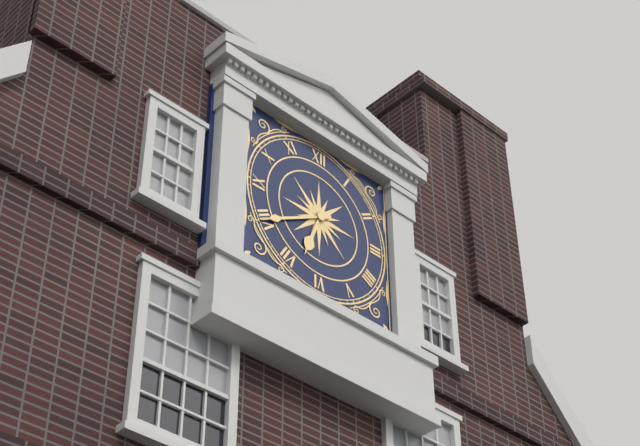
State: 6 h 40 min
